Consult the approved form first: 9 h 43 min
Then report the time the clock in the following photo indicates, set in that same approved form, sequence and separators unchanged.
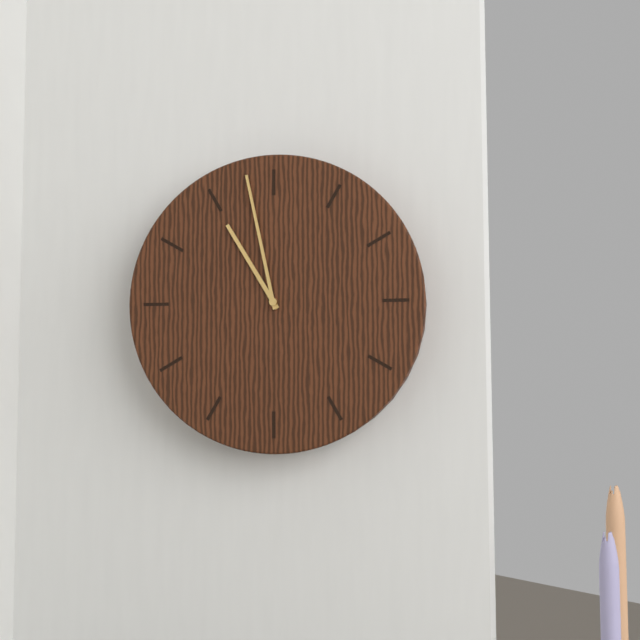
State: 10 h 58 min
